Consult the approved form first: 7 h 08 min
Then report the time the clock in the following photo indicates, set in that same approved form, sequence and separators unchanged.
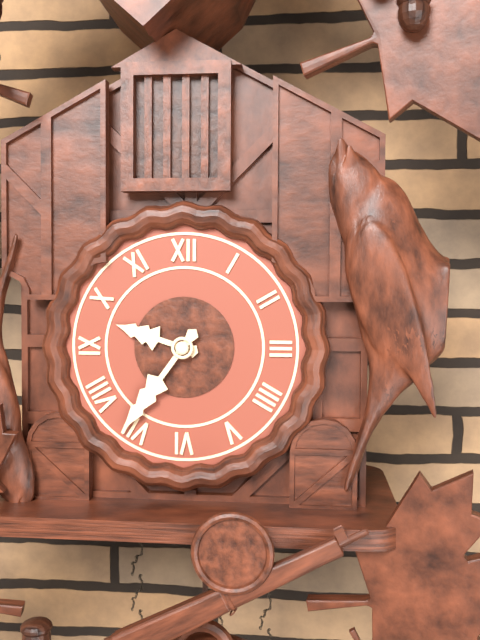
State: 9 h 36 min
